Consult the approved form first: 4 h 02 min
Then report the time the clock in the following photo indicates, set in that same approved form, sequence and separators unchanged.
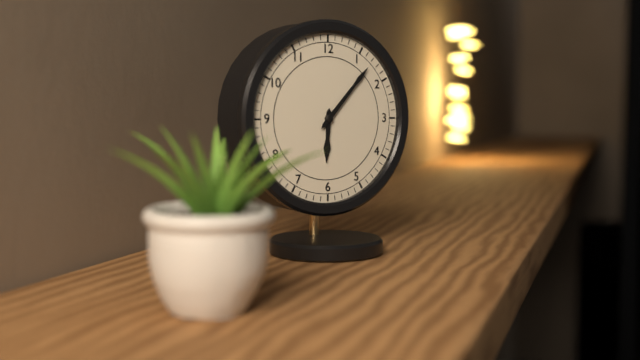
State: 6 h 07 min
